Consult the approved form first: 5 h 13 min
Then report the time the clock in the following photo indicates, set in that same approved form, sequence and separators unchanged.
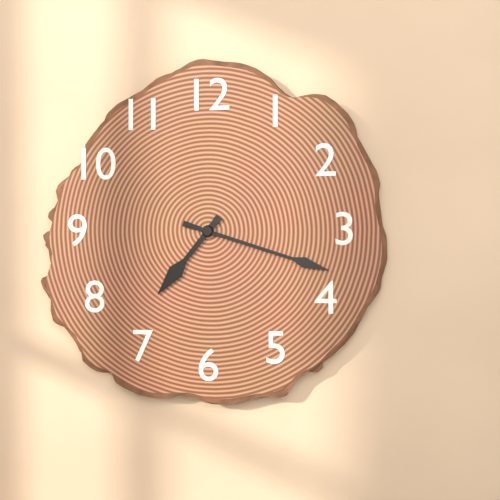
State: 7 h 18 min
